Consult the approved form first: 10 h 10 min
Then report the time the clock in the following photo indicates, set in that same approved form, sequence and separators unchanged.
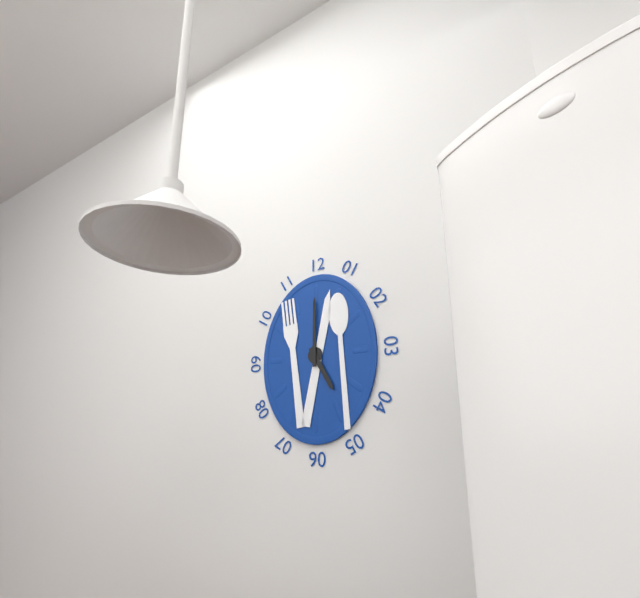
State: 5 h 00 min
